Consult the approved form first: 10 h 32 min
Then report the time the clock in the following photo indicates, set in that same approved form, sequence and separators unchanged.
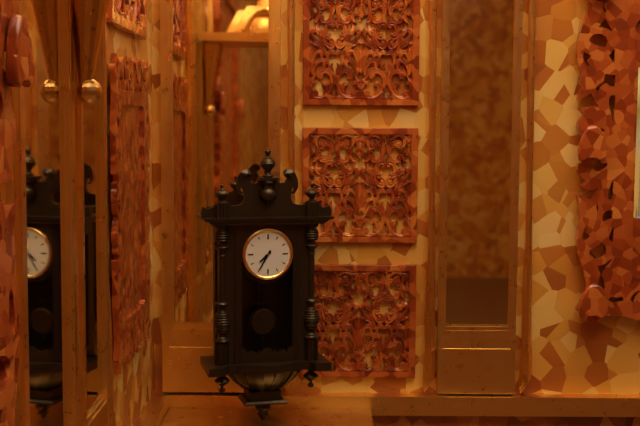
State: 7 h 35 min
